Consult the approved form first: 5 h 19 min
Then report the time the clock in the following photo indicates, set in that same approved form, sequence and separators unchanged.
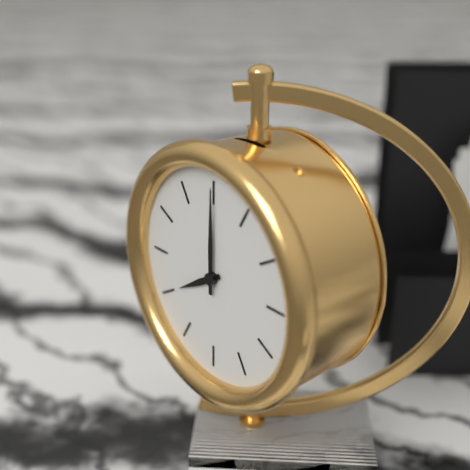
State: 8 h 00 min
